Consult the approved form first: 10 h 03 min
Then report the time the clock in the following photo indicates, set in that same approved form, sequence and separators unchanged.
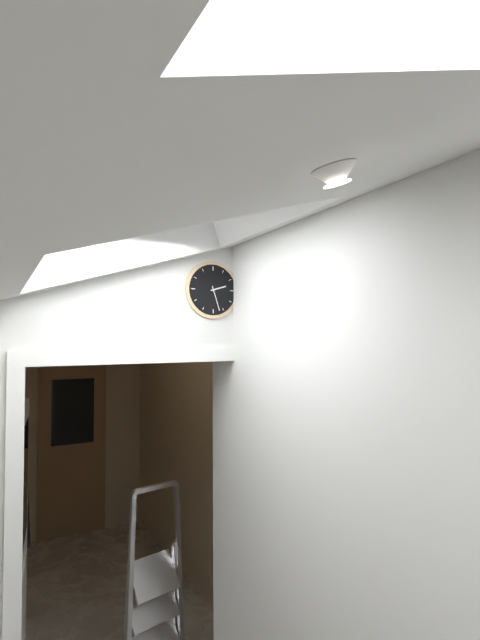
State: 2 h 27 min
